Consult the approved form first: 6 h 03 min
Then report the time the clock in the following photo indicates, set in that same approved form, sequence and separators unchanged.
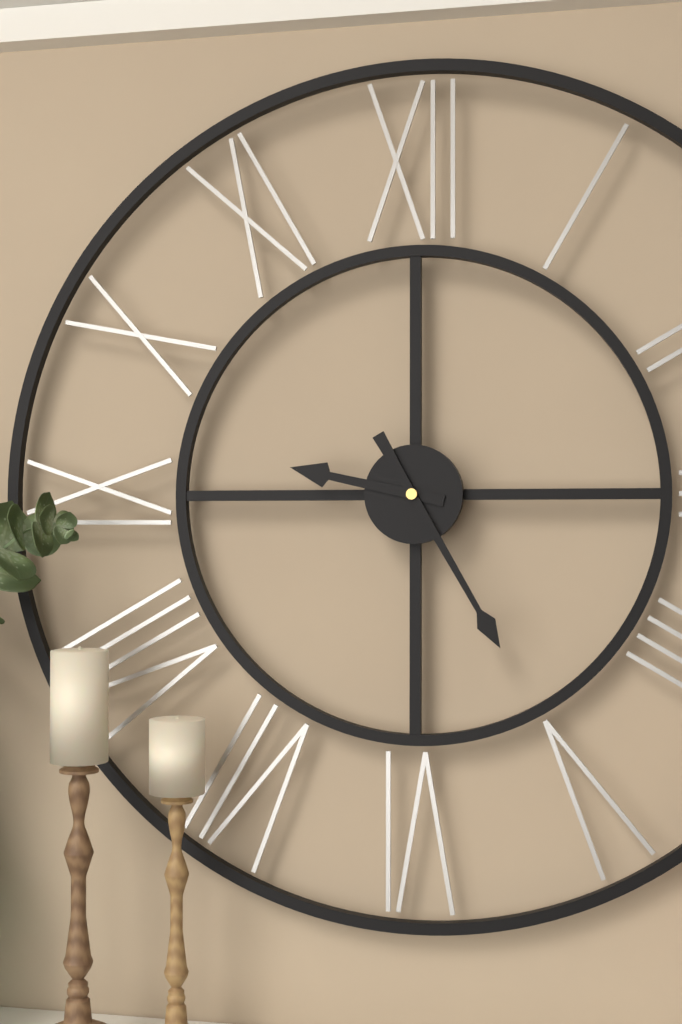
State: 9 h 25 min
